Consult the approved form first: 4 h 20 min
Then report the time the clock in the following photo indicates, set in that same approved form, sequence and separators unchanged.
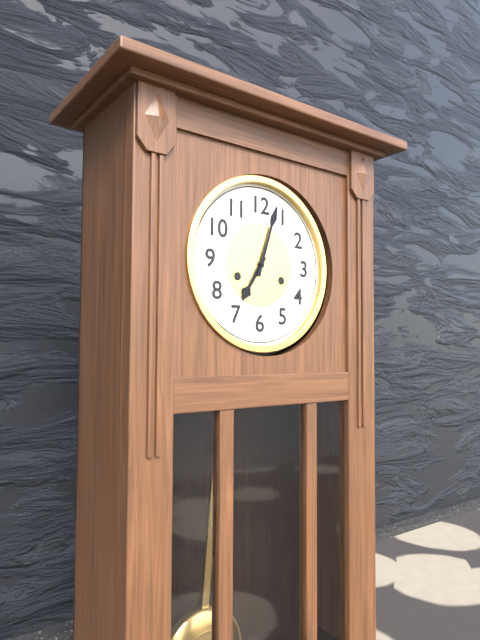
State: 7 h 03 min
